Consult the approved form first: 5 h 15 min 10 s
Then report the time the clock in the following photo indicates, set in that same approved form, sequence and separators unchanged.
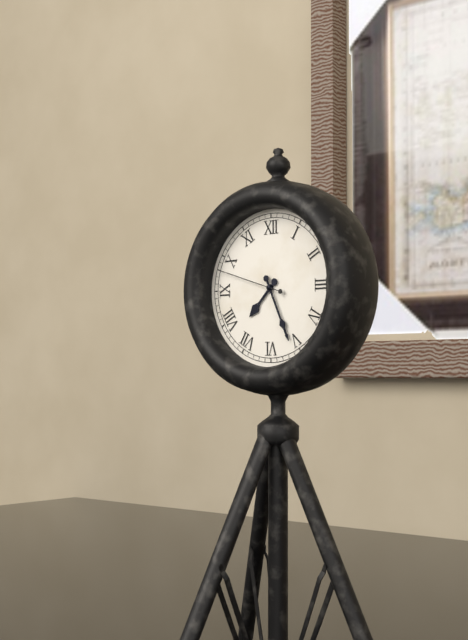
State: 7 h 26 min 48 s
